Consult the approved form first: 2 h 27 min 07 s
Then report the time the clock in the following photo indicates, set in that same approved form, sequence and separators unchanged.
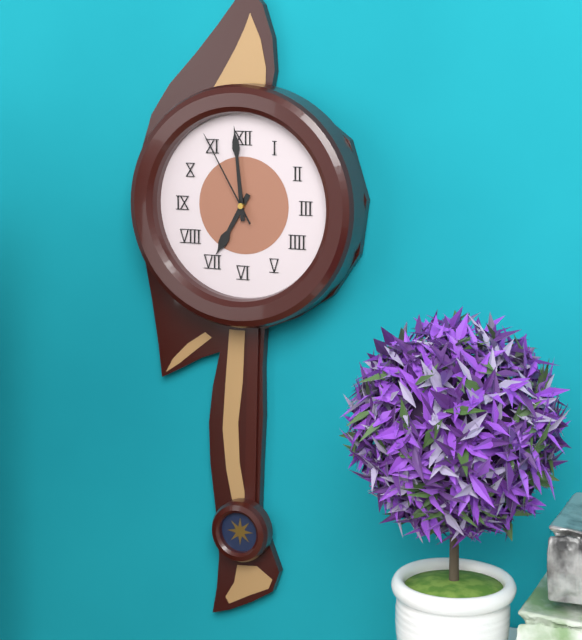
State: 6 h 59 min 55 s
